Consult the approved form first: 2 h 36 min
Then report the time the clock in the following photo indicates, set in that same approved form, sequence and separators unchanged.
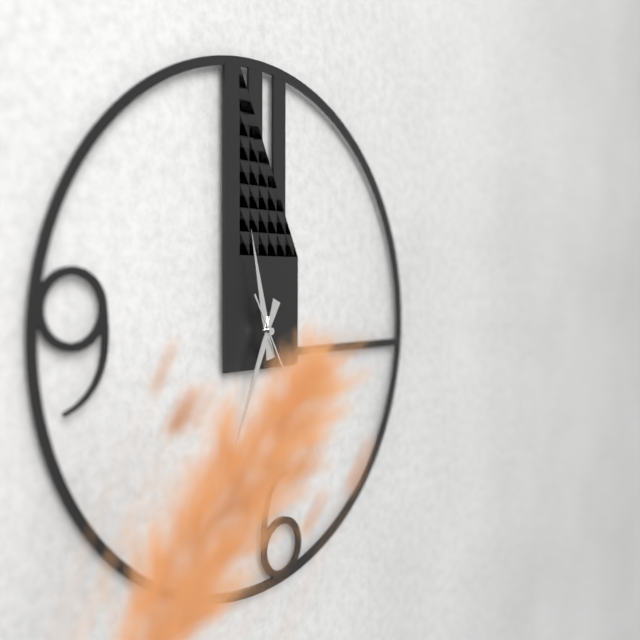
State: 11 h 34 min
